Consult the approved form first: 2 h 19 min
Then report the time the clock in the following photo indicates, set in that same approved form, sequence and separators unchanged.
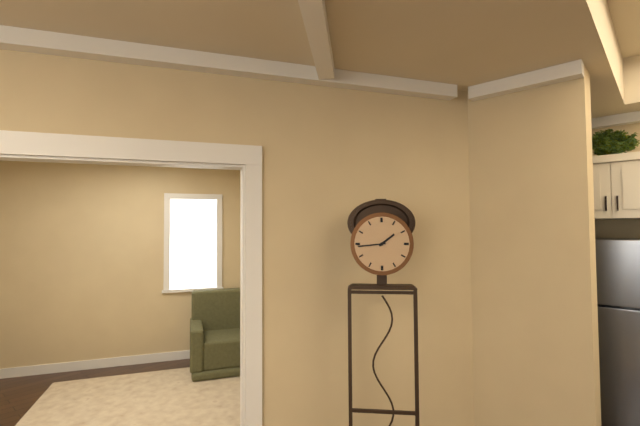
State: 1 h 44 min
